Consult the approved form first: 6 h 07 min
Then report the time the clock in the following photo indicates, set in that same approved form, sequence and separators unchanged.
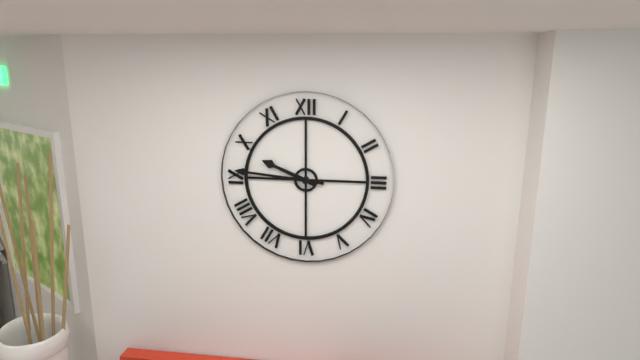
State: 9 h 46 min
